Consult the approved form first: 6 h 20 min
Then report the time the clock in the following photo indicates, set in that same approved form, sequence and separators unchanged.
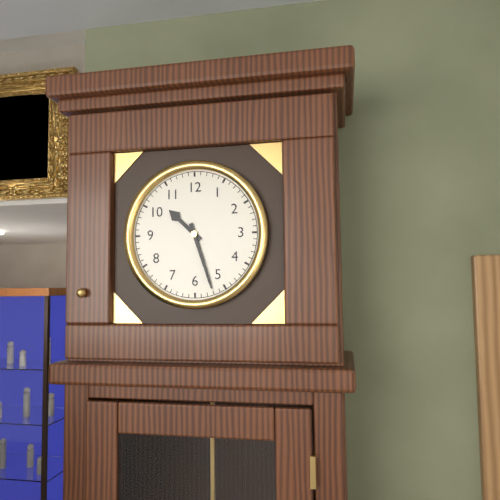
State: 10 h 27 min
